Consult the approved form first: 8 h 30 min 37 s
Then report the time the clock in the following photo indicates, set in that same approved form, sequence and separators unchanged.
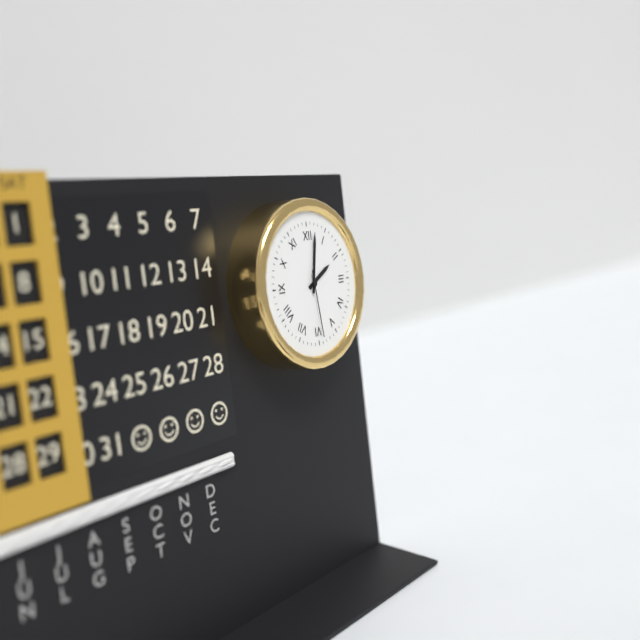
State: 2 h 02 min 29 s
